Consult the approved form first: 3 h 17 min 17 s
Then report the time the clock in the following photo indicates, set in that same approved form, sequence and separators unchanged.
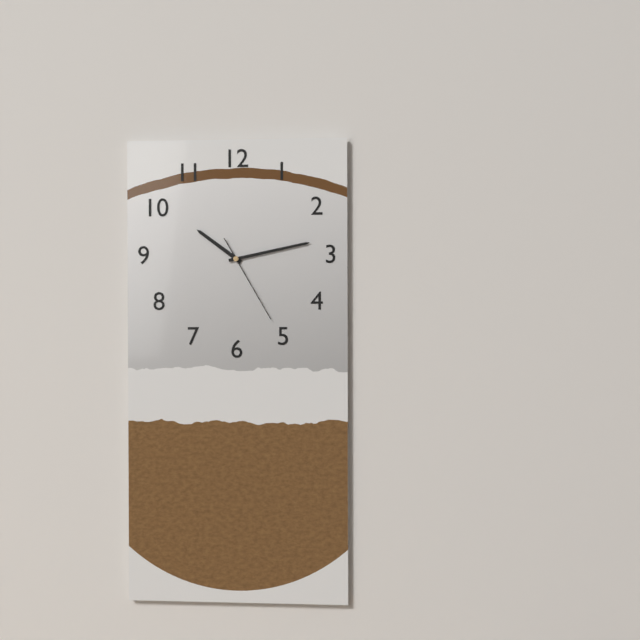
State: 10 h 13 min 25 s
